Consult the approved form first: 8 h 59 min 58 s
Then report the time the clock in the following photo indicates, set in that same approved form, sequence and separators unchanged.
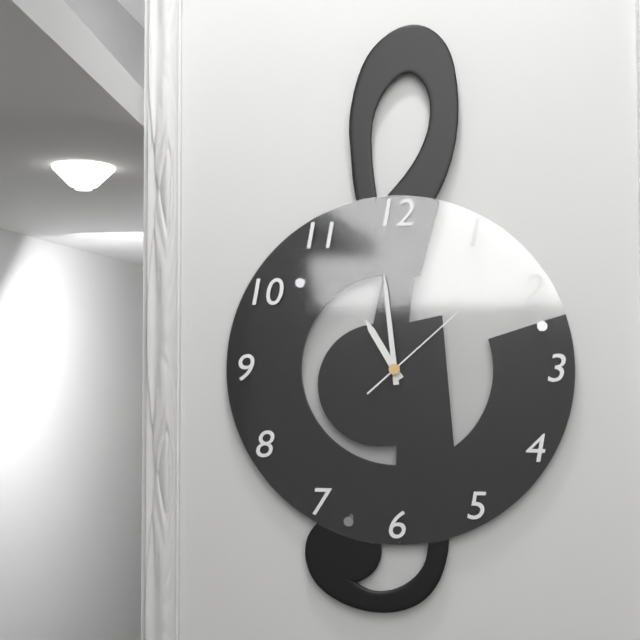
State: 10 h 59 min 08 s
